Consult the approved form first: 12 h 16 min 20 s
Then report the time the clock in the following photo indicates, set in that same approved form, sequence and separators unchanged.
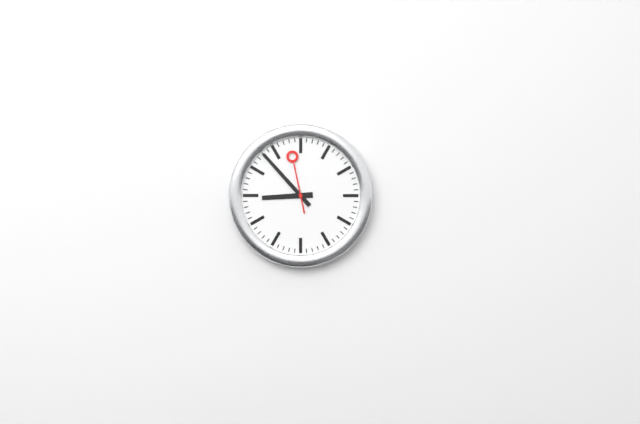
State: 8 h 53 min 58 s
